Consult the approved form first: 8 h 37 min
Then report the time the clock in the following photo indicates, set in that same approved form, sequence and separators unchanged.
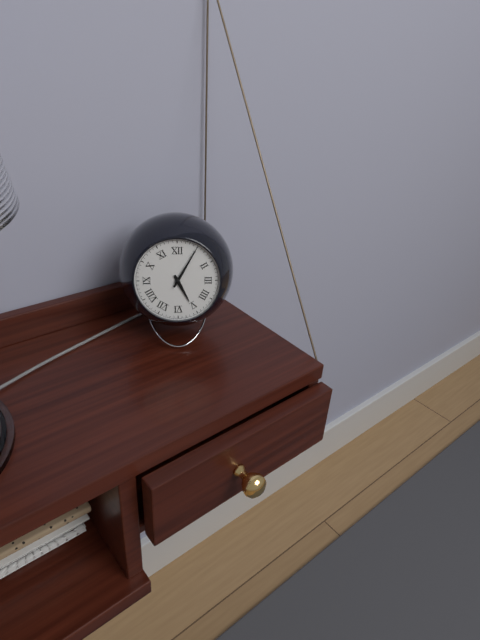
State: 5 h 05 min
